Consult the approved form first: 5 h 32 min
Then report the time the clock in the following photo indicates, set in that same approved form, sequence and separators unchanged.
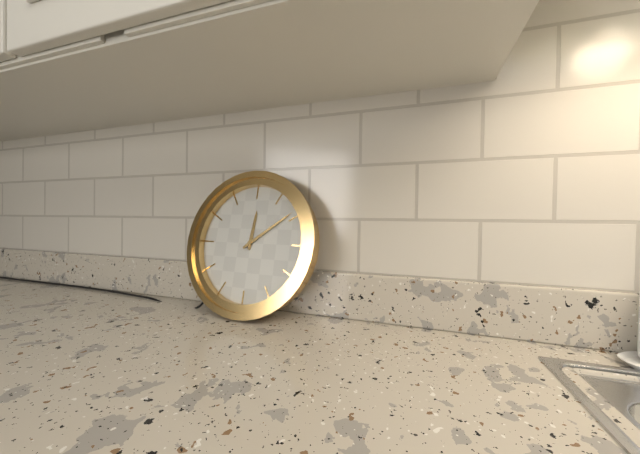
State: 12 h 09 min
